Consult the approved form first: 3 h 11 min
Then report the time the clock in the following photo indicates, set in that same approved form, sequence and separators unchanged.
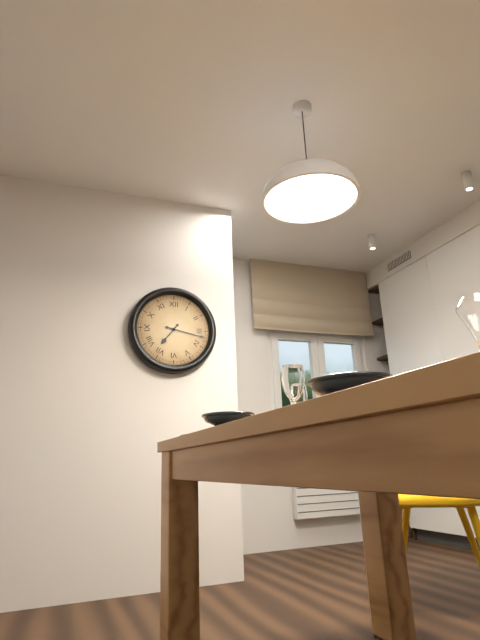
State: 7 h 17 min
